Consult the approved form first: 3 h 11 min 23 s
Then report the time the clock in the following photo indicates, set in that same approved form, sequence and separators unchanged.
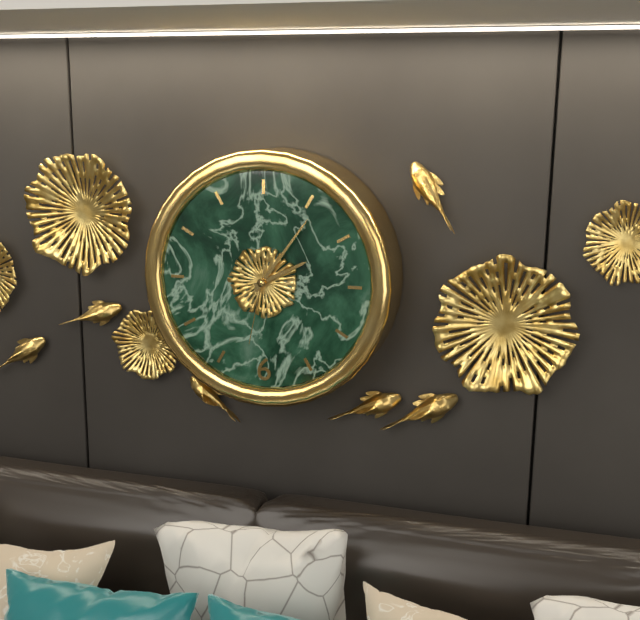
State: 2 h 06 min 32 s
